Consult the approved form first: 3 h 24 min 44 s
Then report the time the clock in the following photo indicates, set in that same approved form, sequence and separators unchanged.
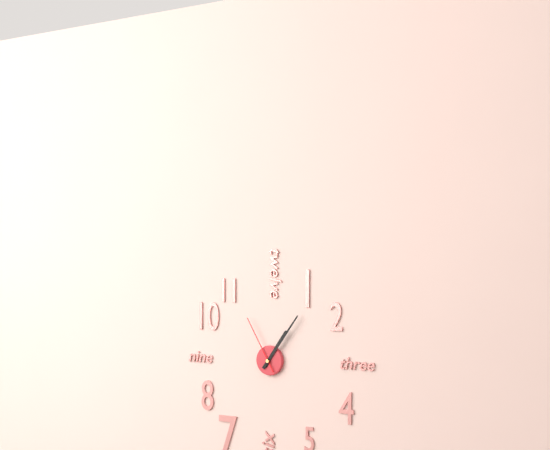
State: 1 h 06 min 55 s
